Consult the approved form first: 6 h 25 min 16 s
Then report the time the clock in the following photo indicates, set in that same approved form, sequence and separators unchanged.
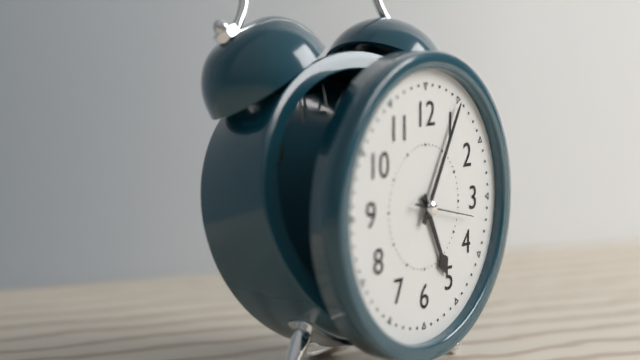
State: 5 h 05 min 17 s
